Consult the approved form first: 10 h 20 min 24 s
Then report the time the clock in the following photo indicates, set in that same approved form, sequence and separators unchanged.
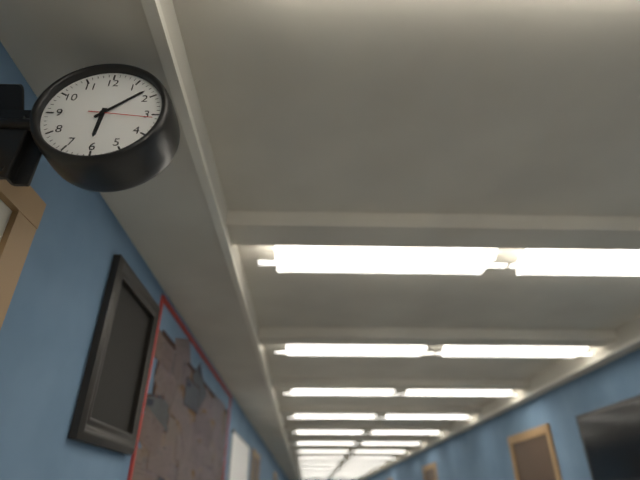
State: 6 h 08 min 16 s
